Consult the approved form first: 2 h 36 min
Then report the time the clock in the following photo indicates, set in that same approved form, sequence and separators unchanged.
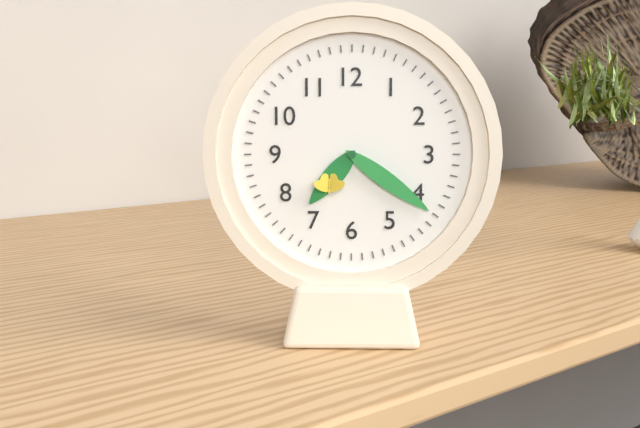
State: 7 h 21 min
